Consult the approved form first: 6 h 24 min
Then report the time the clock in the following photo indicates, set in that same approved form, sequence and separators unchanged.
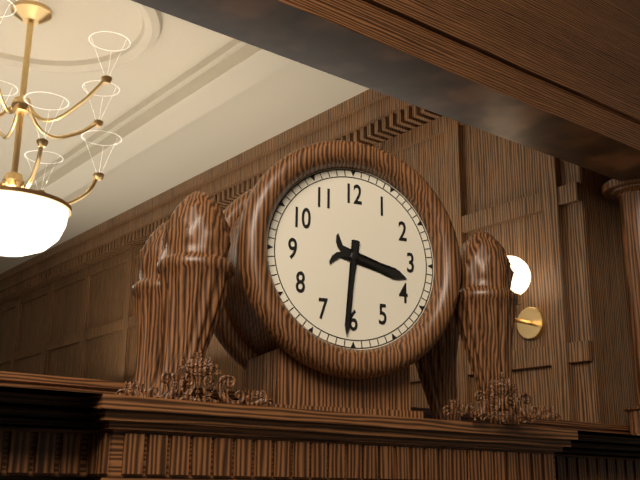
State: 3 h 31 min
